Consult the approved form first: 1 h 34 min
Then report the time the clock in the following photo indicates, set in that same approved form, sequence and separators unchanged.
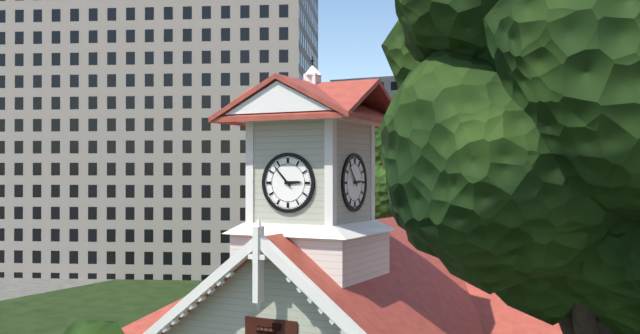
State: 2 h 53 min
